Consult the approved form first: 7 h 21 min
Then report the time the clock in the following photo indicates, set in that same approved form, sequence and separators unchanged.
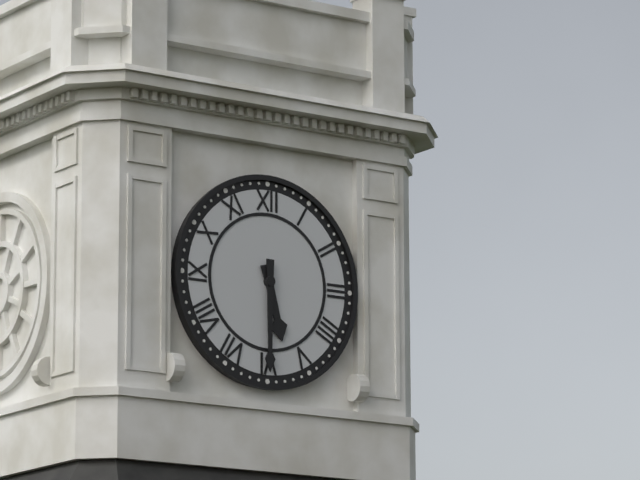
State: 5 h 30 min
